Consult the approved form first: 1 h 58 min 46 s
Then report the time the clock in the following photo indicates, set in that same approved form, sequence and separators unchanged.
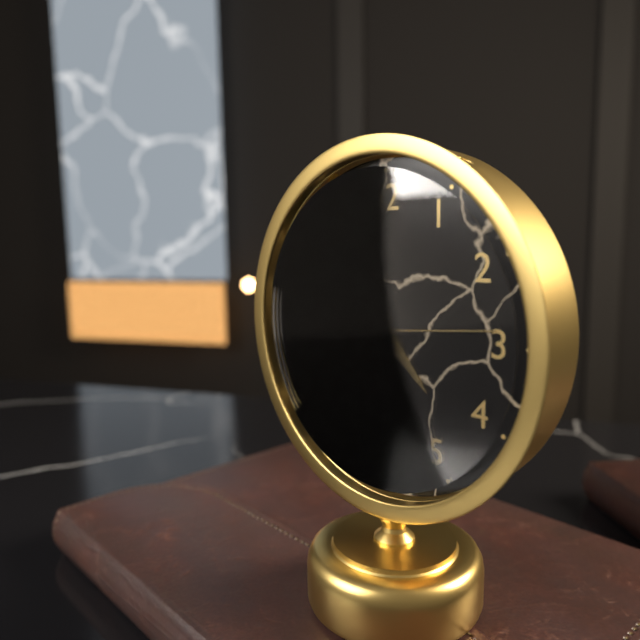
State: 4 h 31 min 14 s
